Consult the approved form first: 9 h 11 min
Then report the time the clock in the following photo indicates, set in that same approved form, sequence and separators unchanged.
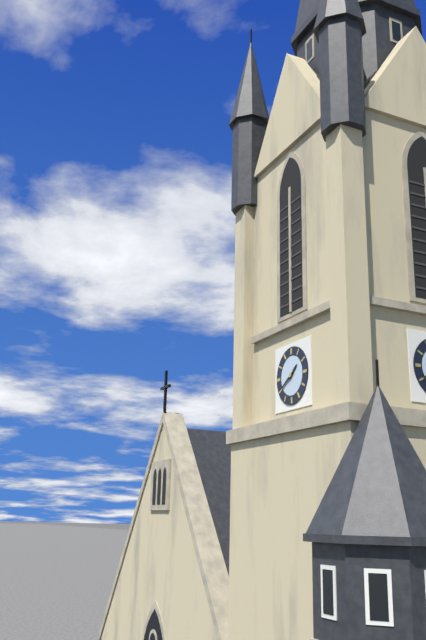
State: 1 h 40 min
